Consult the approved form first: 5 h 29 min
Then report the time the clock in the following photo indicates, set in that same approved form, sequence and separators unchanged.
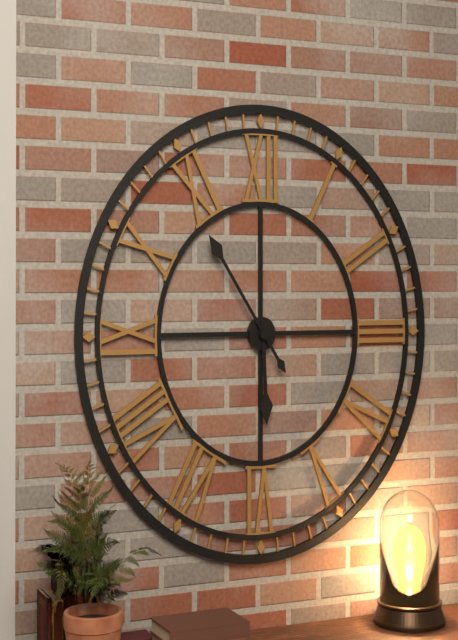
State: 5 h 54 min
